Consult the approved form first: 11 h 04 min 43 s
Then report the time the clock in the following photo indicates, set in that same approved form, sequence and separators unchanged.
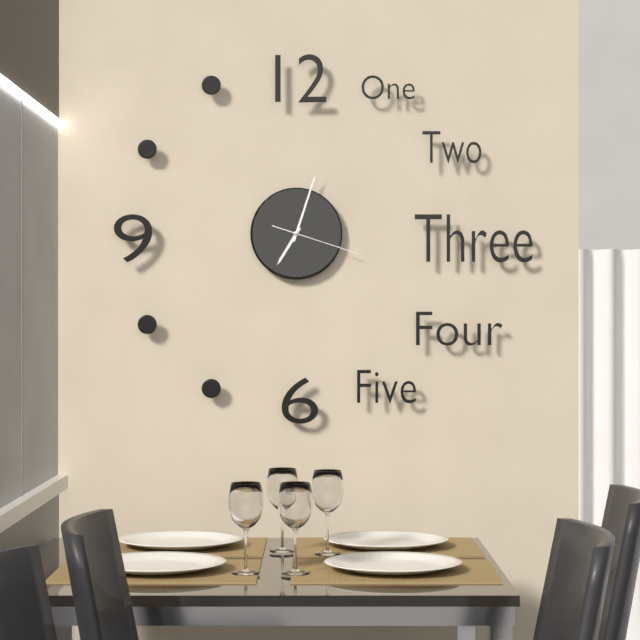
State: 7 h 03 min 18 s
